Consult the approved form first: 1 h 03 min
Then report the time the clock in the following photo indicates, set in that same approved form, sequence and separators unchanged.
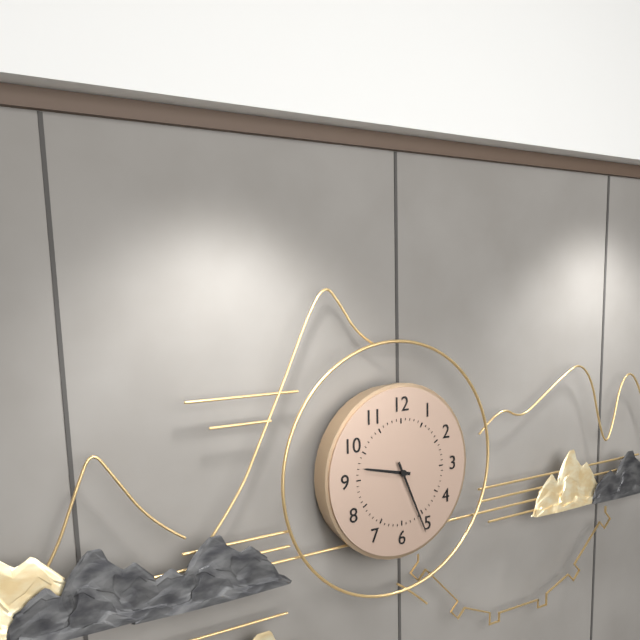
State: 9 h 26 min
